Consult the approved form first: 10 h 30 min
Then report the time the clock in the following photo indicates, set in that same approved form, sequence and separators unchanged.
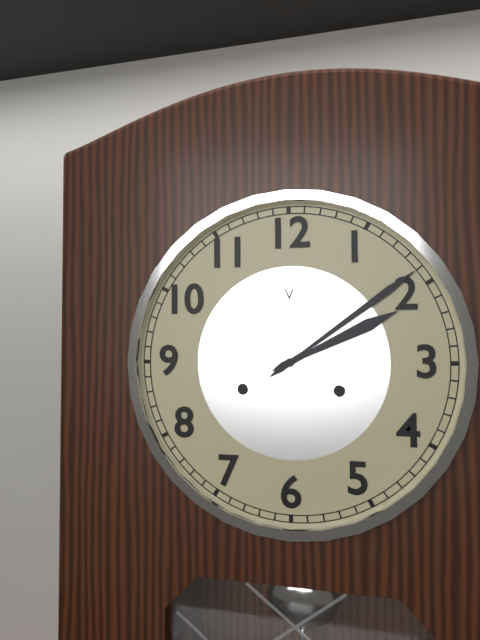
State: 2 h 09 min
